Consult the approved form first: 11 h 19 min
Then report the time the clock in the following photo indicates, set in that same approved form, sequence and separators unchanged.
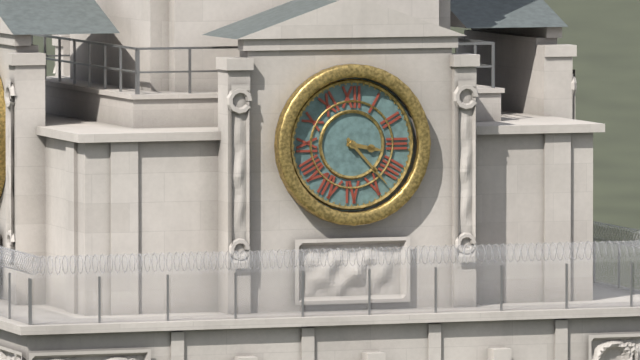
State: 3 h 23 min
